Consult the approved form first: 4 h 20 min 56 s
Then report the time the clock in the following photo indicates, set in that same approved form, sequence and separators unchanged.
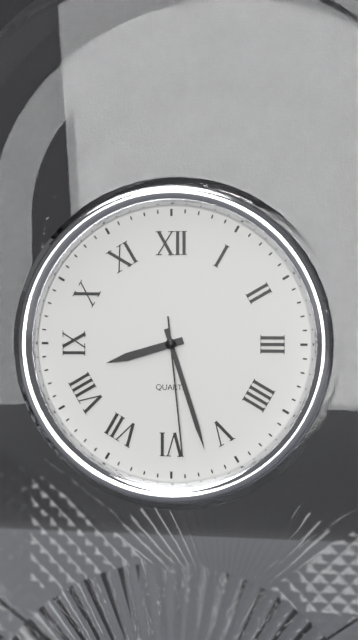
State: 8 h 27 min 29 s
